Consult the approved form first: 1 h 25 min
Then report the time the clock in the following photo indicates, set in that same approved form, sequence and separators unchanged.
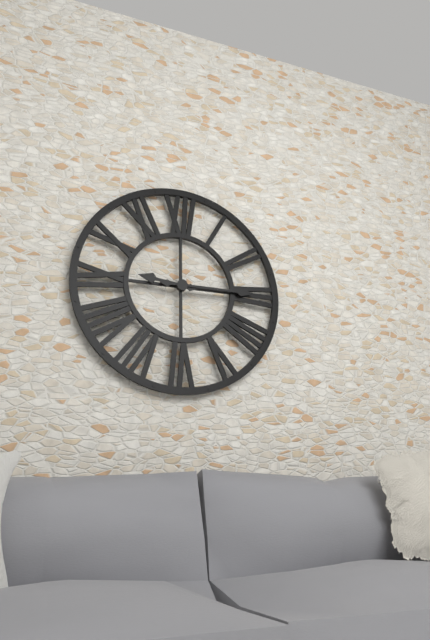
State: 9 h 15 min
